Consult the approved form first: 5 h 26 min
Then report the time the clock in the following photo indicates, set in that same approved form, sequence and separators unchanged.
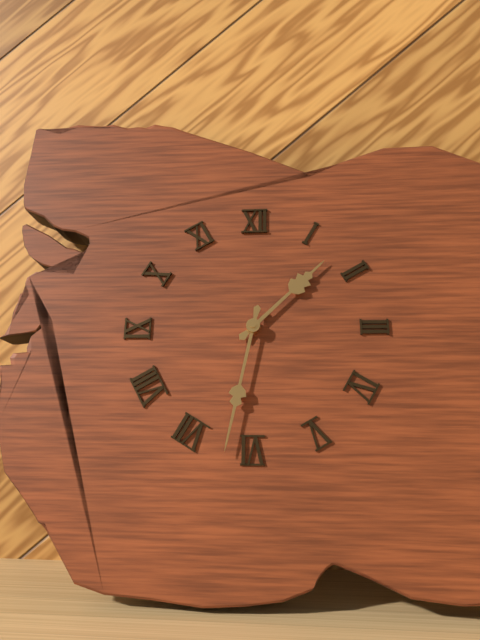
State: 1 h 32 min
